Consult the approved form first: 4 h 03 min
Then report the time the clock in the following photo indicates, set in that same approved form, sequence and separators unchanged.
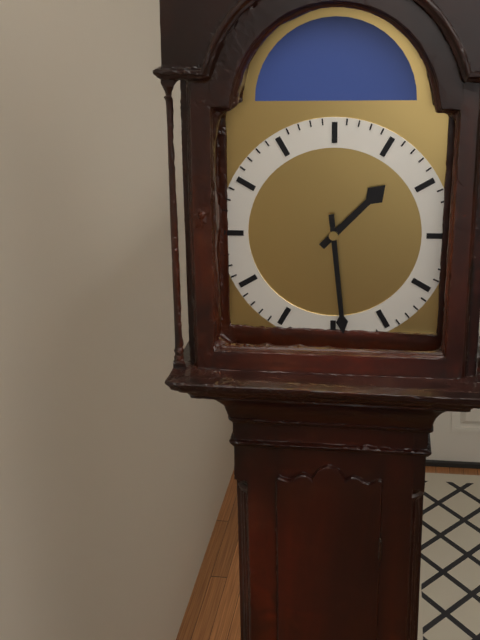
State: 1 h 29 min
